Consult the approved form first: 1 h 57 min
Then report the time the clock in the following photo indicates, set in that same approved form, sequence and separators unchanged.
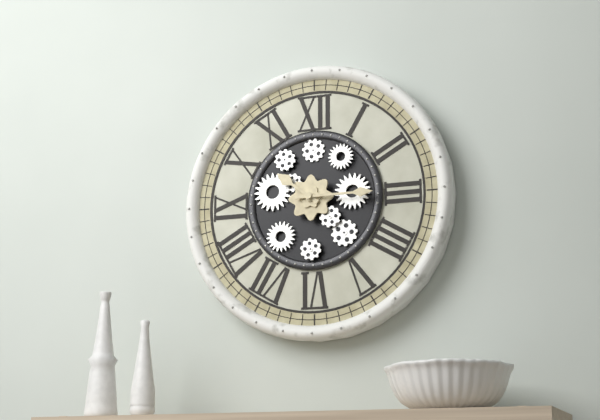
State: 10 h 15 min
